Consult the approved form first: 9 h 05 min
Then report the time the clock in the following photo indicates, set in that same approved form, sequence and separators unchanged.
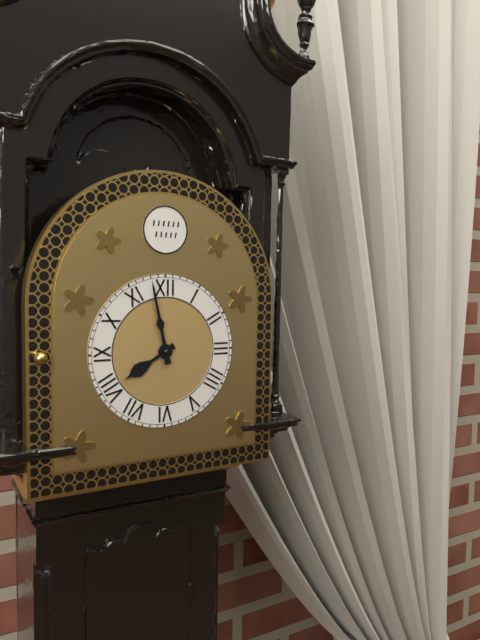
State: 7 h 58 min
